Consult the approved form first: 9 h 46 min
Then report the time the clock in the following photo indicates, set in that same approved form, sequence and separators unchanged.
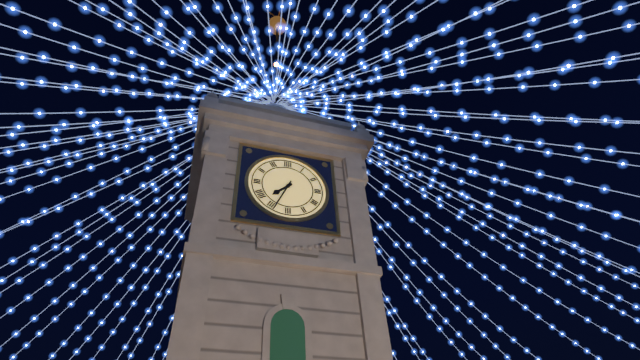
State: 7 h 34 min
